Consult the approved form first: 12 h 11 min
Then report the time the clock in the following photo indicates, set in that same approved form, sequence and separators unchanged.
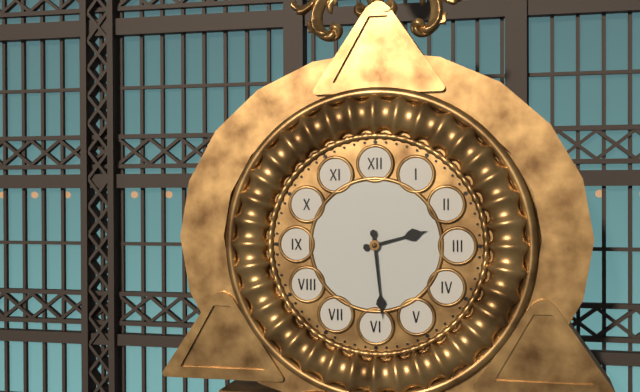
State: 2 h 29 min
